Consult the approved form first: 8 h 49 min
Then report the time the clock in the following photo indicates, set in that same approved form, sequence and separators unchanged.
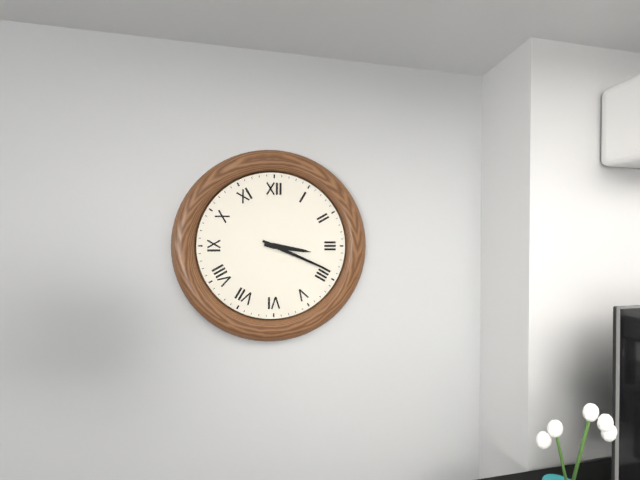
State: 3 h 19 min
